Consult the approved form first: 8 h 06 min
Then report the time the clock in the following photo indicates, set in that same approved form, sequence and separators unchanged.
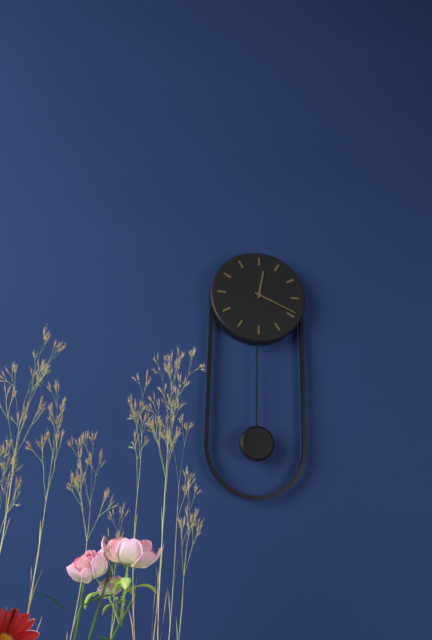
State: 12 h 19 min
